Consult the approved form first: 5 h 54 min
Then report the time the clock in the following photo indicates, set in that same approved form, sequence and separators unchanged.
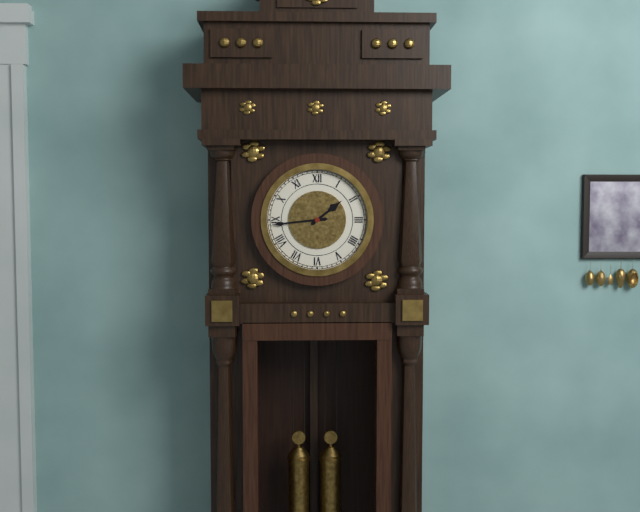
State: 1 h 44 min
